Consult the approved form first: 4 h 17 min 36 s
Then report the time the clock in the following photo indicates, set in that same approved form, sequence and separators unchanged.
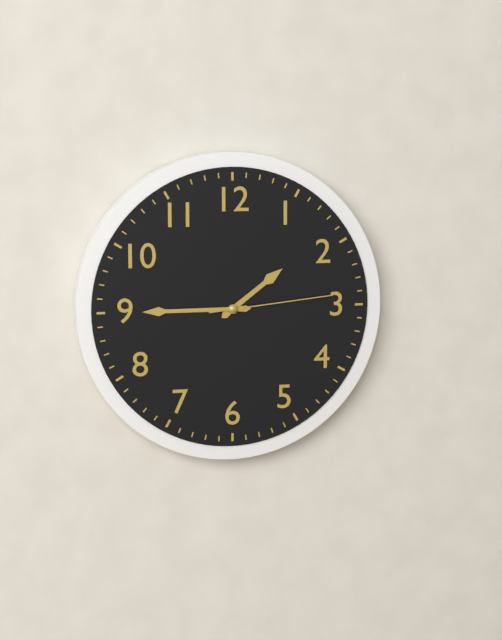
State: 1 h 45 min 14 s
